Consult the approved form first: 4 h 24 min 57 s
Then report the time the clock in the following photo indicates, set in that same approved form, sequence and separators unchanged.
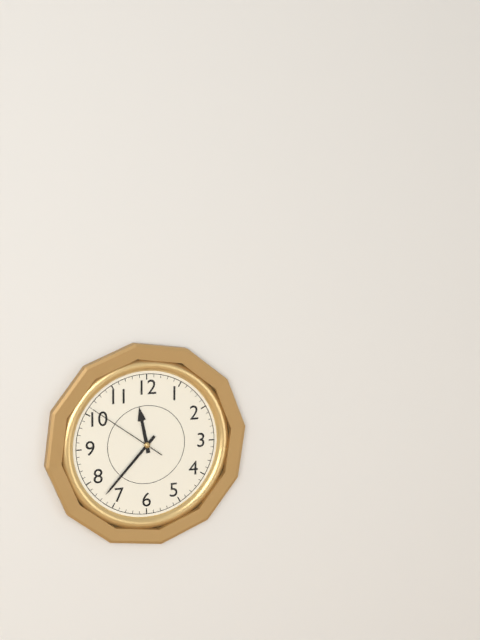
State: 11 h 37 min 51 s
